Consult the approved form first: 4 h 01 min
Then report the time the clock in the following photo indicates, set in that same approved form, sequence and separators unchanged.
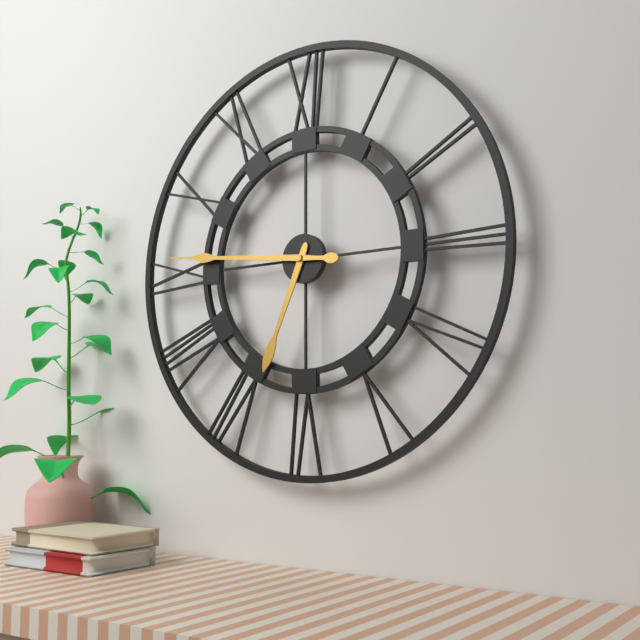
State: 6 h 46 min
